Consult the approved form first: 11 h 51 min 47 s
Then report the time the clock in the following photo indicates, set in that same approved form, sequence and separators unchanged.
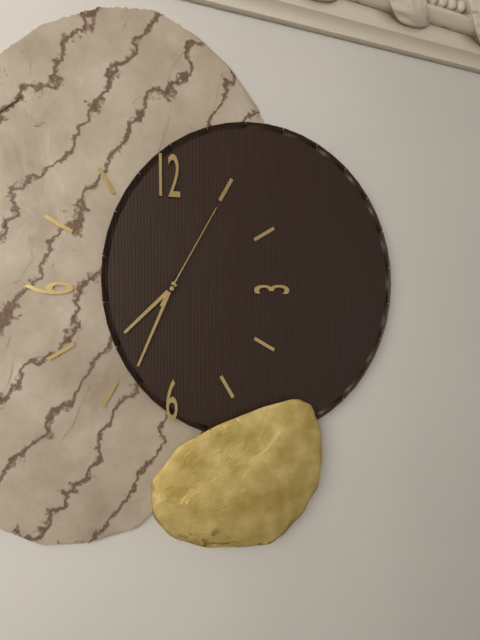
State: 7 h 34 min 05 s
